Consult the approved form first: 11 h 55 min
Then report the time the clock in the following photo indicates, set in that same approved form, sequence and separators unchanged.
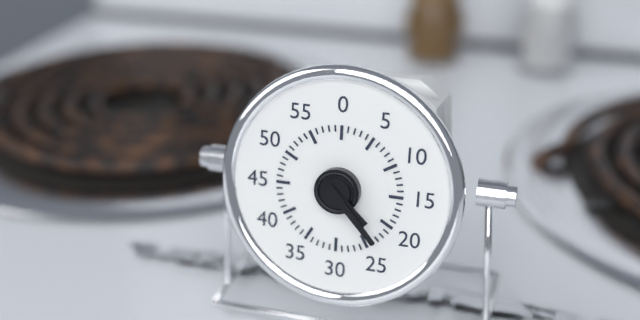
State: 4 h 23 min
